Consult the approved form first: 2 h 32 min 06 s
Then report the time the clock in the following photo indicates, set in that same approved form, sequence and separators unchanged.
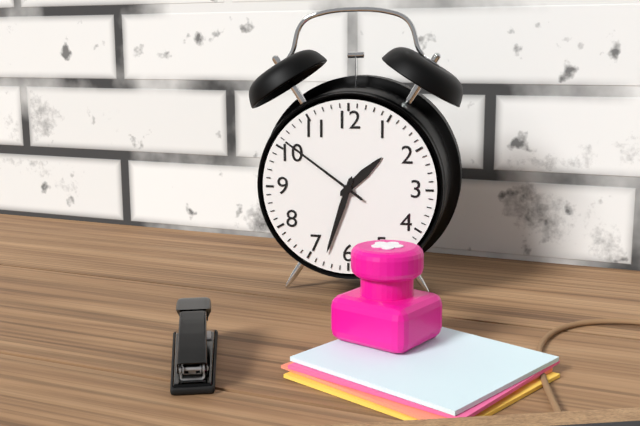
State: 1 h 33 min 51 s
